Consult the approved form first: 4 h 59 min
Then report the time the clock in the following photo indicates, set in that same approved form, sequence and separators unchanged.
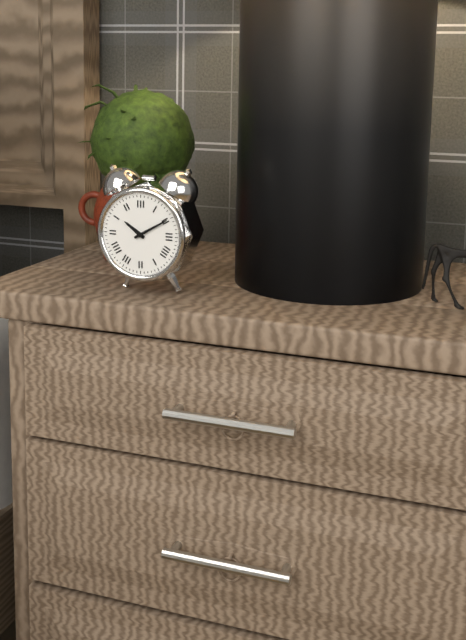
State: 10 h 10 min
